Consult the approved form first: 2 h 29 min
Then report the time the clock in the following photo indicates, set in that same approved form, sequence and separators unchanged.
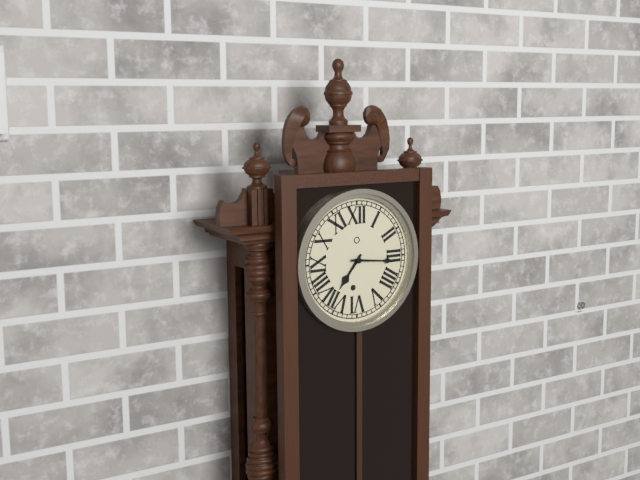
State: 7 h 16 min
